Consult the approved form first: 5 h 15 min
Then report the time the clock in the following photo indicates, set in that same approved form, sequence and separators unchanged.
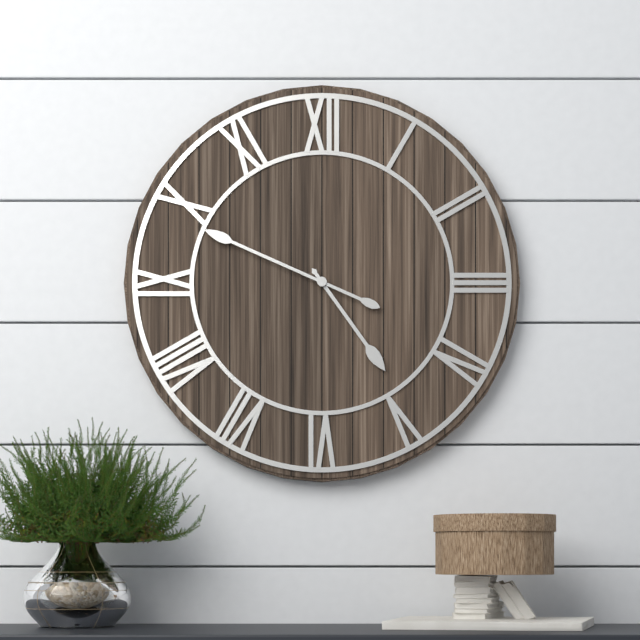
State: 4 h 49 min
